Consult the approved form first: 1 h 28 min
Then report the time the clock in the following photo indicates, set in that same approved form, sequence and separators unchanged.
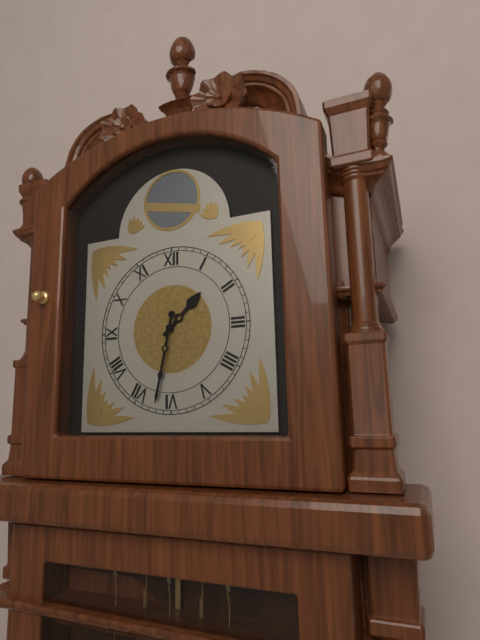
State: 1 h 32 min
